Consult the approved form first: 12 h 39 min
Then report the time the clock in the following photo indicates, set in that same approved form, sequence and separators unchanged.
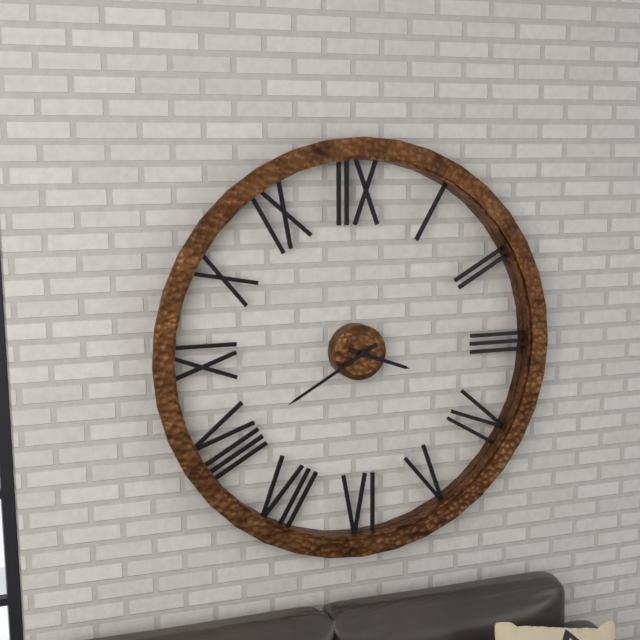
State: 3 h 40 min
